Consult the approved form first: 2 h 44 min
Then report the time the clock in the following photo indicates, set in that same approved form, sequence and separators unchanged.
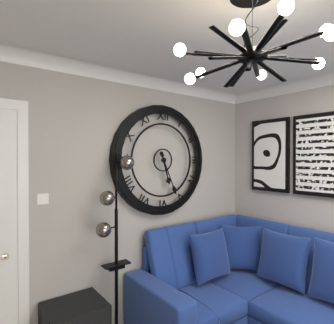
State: 5 h 26 min
